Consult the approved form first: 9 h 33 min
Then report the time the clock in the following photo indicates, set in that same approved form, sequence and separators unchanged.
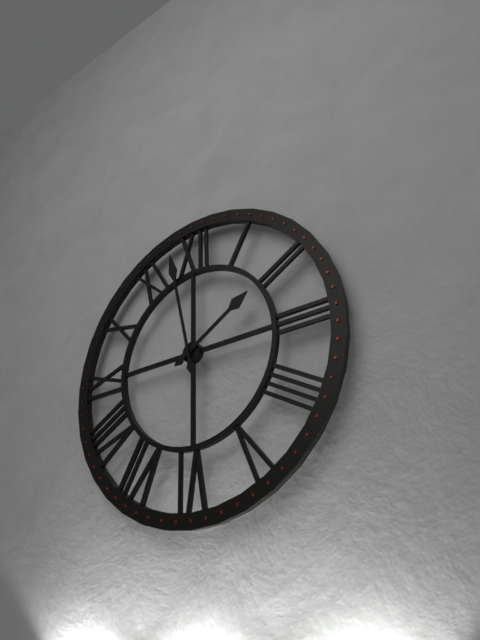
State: 1 h 58 min
